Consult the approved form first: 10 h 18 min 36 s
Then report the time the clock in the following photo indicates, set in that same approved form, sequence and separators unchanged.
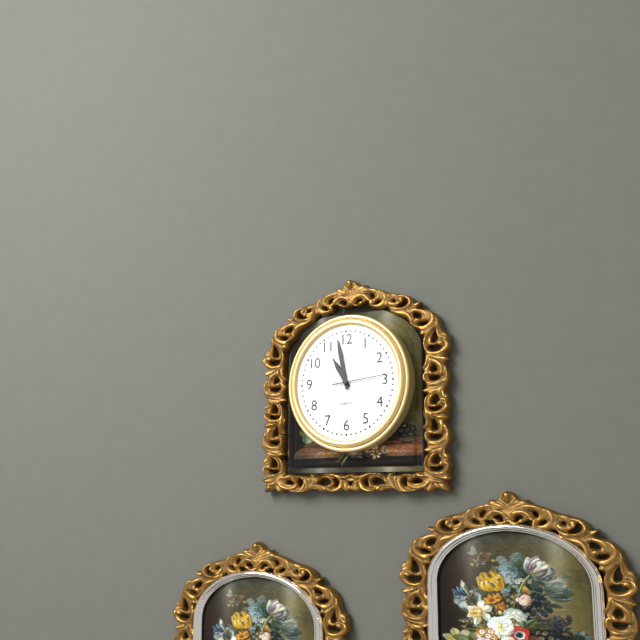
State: 10 h 58 min 14 s
